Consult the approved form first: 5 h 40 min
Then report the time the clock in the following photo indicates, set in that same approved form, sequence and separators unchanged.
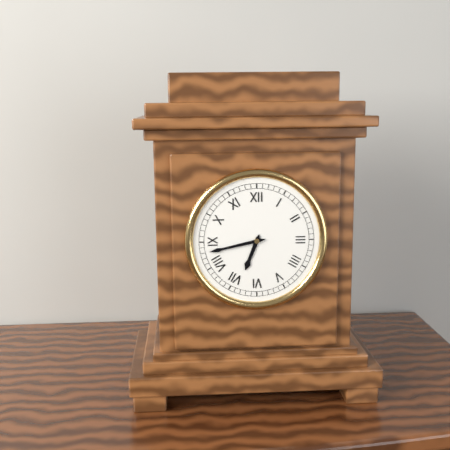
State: 6 h 43 min
